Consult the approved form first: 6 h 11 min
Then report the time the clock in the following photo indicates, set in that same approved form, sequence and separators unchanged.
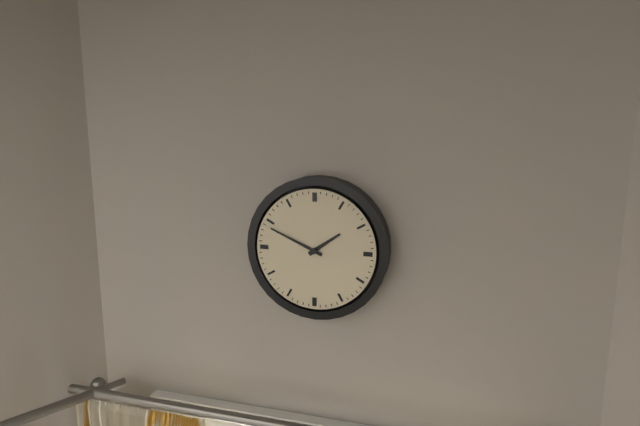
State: 1 h 49 min
